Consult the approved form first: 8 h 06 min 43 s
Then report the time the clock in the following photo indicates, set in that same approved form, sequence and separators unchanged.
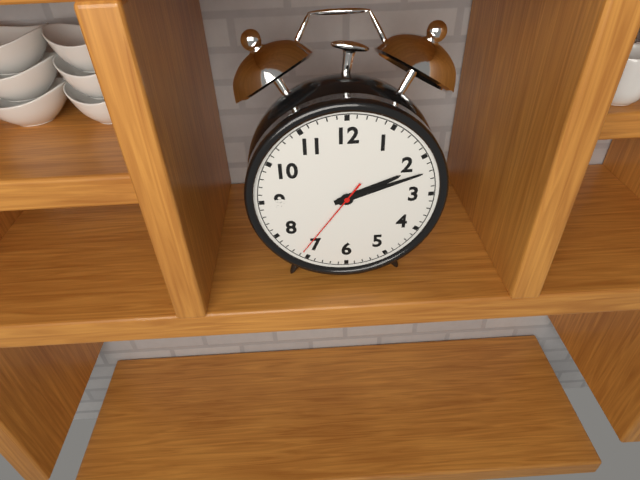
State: 2 h 12 min 36 s
